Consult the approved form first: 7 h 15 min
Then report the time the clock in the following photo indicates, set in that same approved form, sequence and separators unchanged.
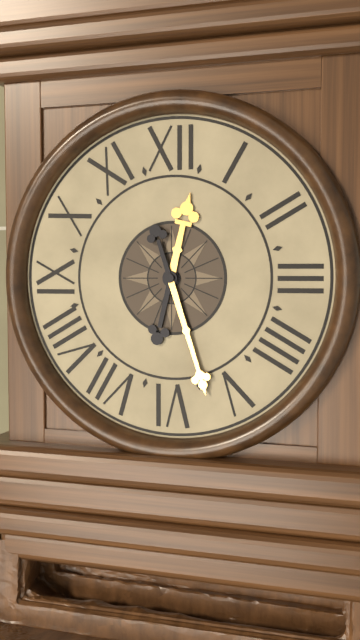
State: 12 h 27 min
